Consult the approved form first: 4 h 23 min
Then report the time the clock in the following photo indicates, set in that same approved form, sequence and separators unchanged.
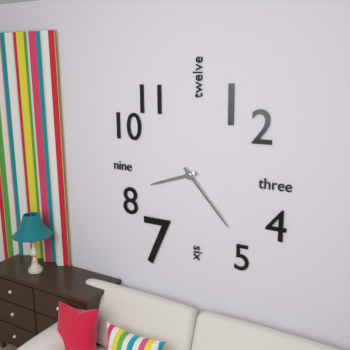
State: 8 h 23 min
